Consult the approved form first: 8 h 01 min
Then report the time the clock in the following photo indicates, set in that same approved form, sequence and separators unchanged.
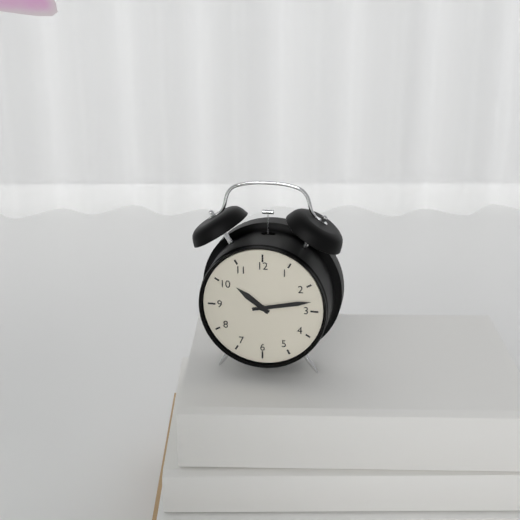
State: 10 h 13 min
